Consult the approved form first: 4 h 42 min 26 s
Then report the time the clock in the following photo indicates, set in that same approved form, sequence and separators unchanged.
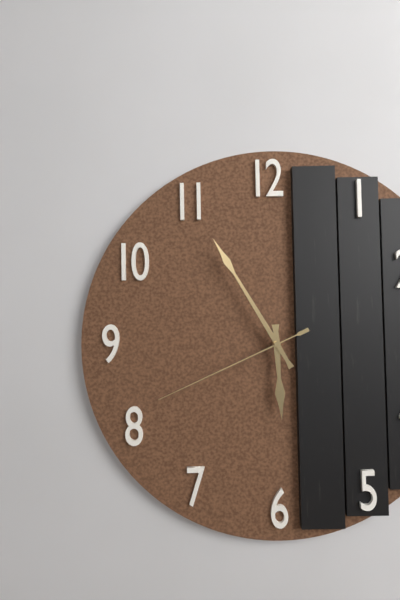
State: 5 h 55 min 41 s
